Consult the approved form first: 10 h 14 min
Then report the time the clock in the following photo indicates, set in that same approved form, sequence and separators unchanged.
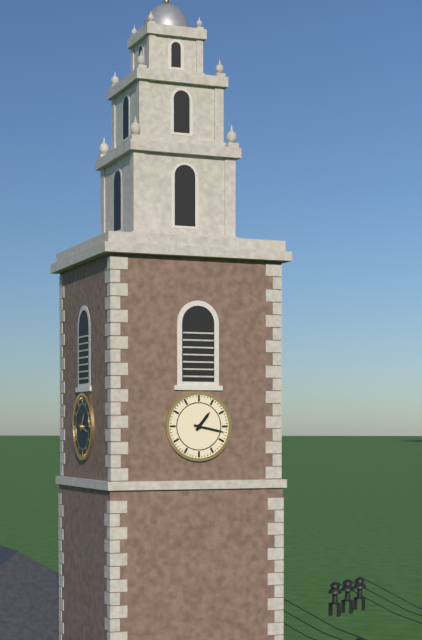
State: 1 h 17 min
